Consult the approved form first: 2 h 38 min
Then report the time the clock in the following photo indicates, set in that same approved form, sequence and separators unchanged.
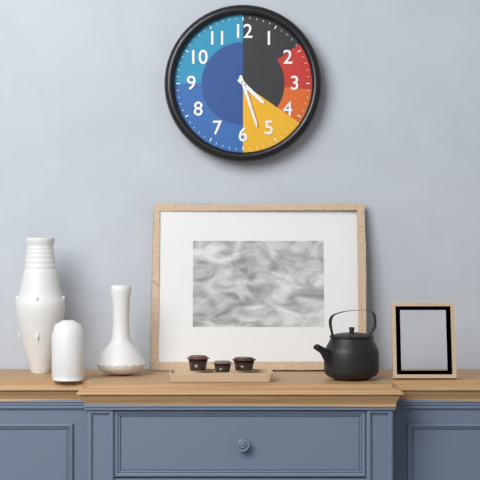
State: 4 h 27 min
